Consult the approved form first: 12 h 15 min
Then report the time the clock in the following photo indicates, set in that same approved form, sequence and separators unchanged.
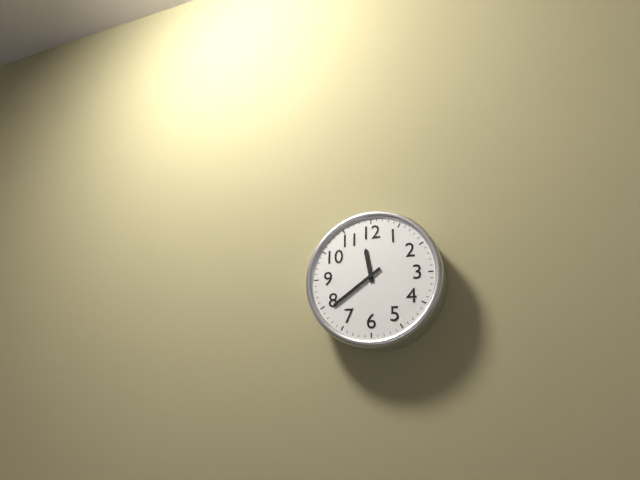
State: 11 h 39 min
